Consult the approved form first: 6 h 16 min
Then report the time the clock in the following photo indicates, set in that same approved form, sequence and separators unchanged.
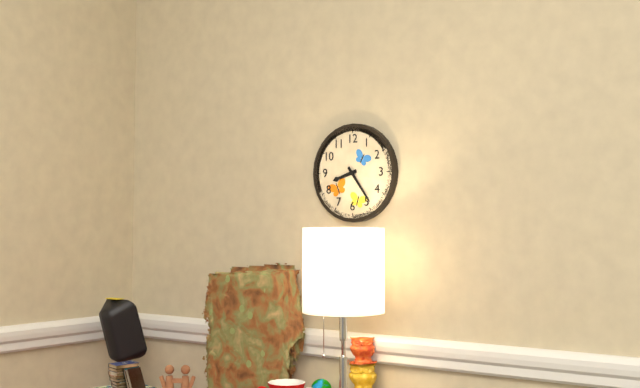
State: 8 h 24 min
